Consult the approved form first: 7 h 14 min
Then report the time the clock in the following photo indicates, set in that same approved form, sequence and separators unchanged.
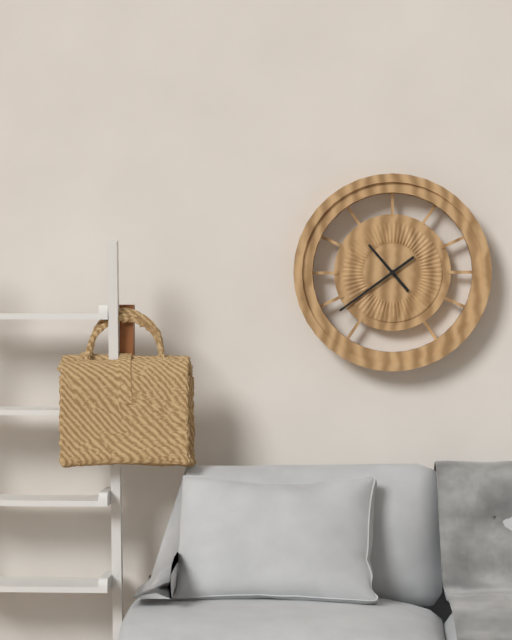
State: 10 h 39 min
